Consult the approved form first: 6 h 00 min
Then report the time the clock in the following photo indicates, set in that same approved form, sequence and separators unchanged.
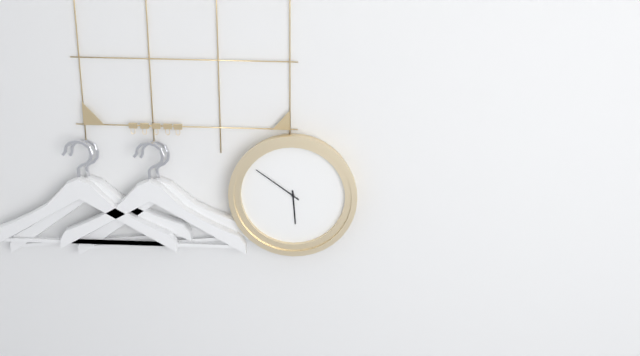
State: 5 h 51 min
